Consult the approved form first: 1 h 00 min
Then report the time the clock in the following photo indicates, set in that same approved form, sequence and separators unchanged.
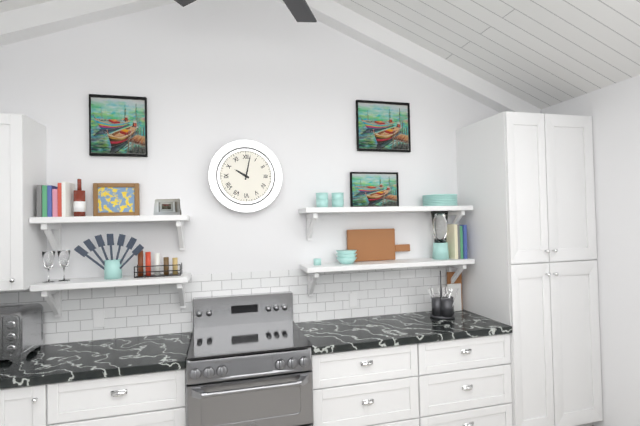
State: 10 h 02 min
